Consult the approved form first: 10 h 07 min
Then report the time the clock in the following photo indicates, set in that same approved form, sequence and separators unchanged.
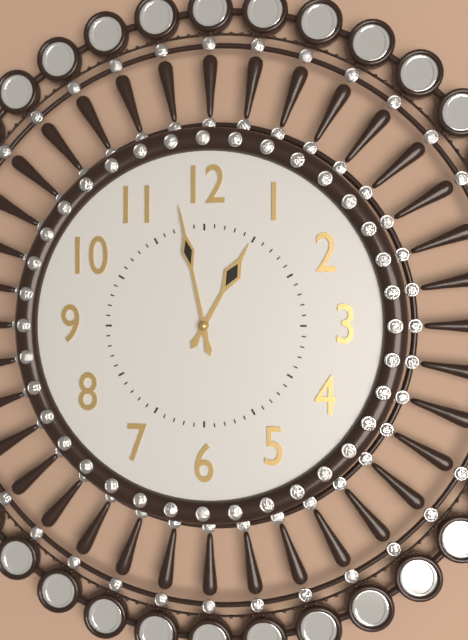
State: 12 h 58 min
